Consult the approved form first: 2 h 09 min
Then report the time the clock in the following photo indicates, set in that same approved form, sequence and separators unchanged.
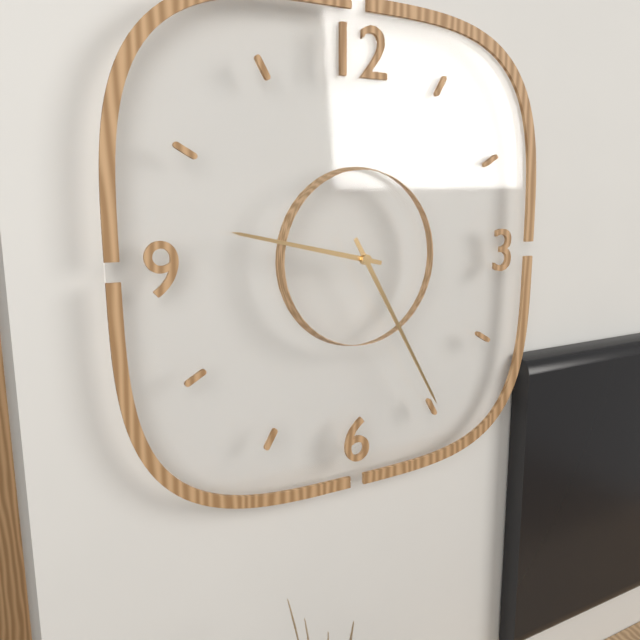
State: 9 h 25 min
